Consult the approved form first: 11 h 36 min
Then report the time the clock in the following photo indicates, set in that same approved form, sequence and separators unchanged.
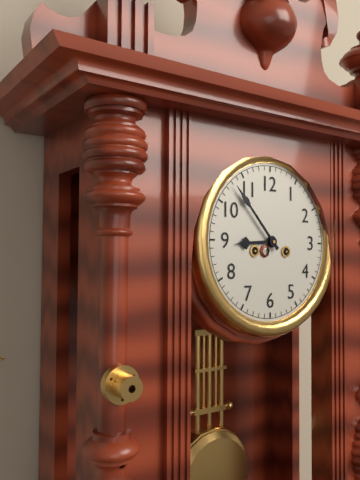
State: 8 h 53 min
